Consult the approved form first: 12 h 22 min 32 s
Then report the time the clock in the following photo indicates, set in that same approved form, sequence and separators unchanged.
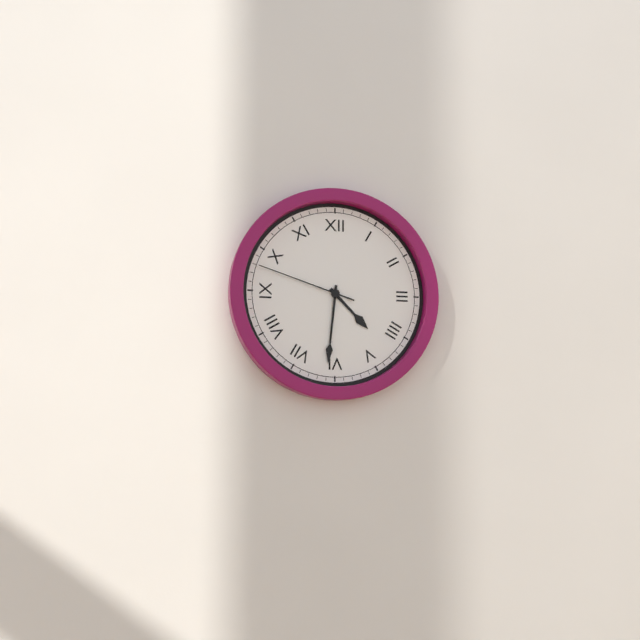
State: 4 h 31 min 48 s
